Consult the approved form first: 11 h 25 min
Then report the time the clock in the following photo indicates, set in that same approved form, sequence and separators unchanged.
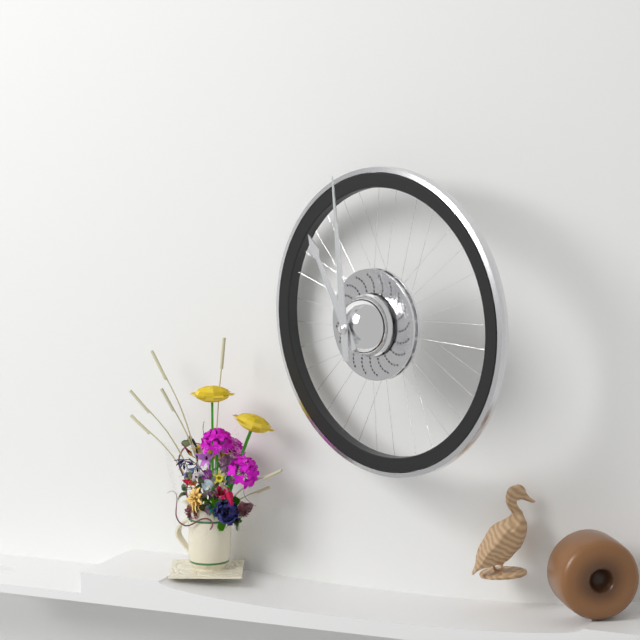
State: 10 h 59 min
